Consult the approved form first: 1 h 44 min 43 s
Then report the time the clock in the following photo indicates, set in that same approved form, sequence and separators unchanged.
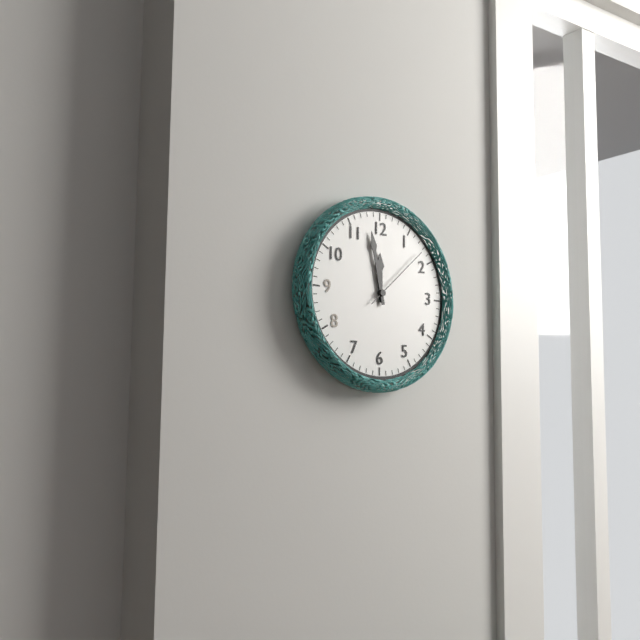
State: 11 h 58 min 08 s
